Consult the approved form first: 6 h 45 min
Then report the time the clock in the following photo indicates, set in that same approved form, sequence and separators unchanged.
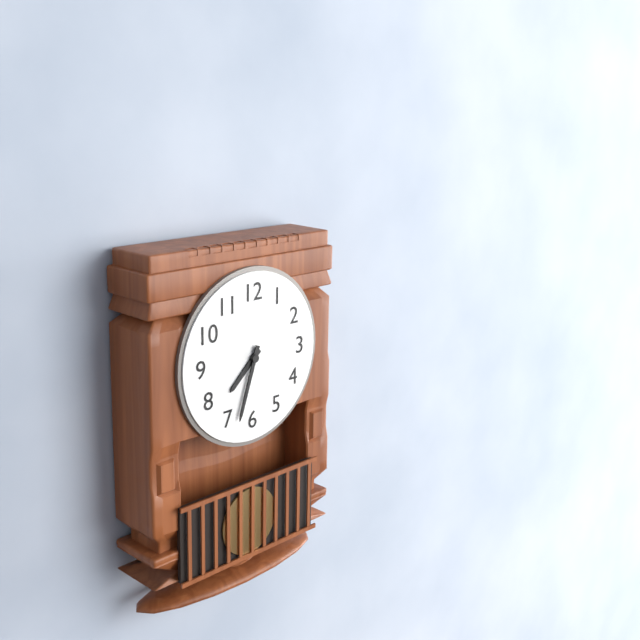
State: 7 h 33 min
